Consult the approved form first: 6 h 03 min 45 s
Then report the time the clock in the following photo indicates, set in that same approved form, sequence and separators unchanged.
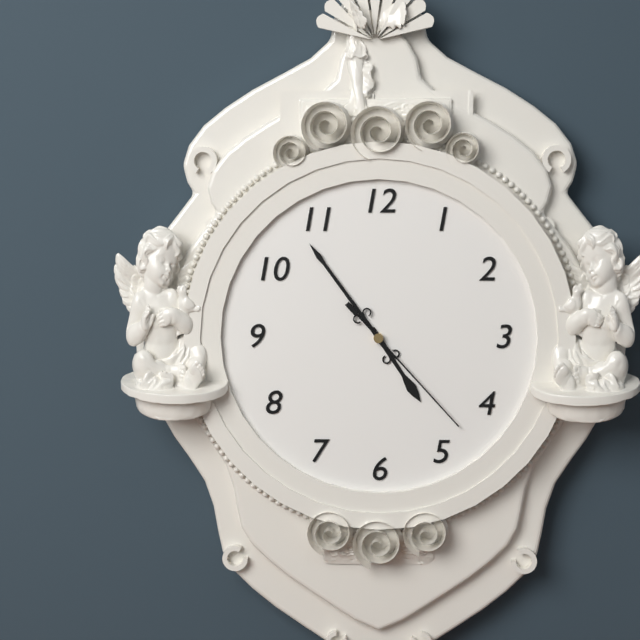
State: 4 h 54 min 23 s
